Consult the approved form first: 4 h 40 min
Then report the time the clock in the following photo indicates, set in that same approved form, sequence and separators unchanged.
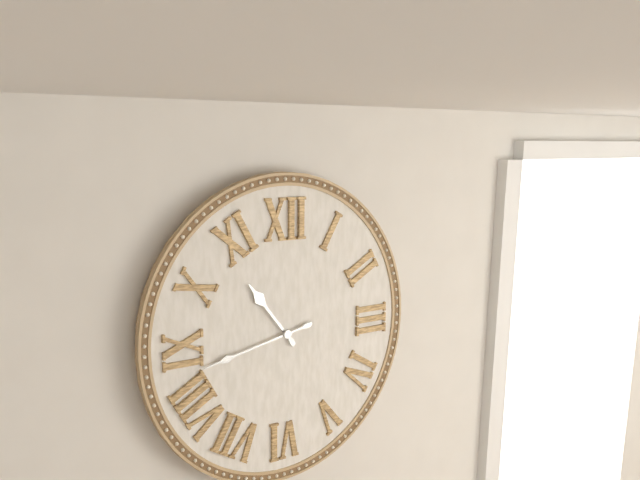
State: 10 h 43 min
